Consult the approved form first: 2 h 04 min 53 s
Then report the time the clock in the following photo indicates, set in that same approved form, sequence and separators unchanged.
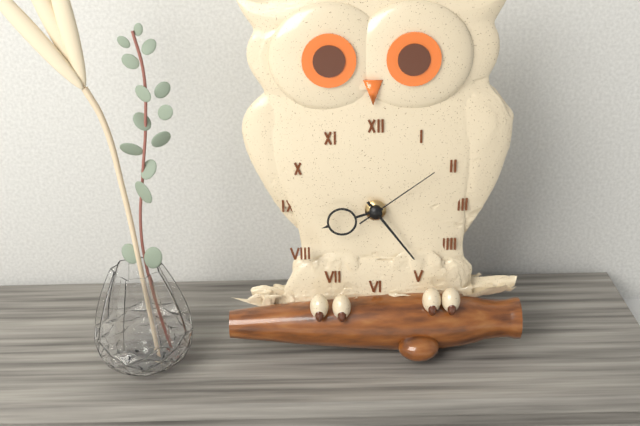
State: 8 h 24 min 09 s
